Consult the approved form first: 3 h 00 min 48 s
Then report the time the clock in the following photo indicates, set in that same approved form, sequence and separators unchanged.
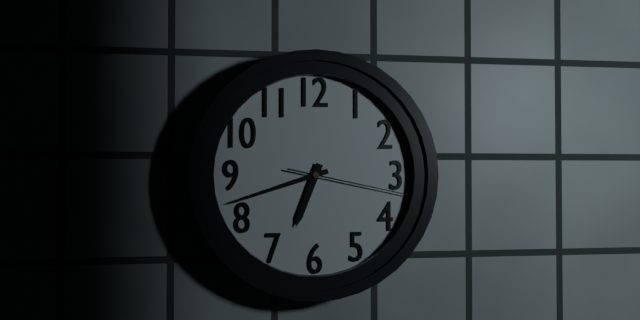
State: 6 h 42 min 17 s
